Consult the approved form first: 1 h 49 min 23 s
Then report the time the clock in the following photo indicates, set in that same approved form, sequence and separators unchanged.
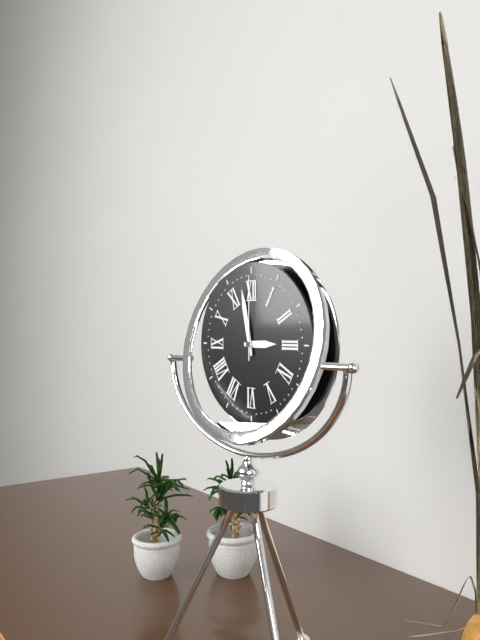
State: 2 h 58 min 00 s
